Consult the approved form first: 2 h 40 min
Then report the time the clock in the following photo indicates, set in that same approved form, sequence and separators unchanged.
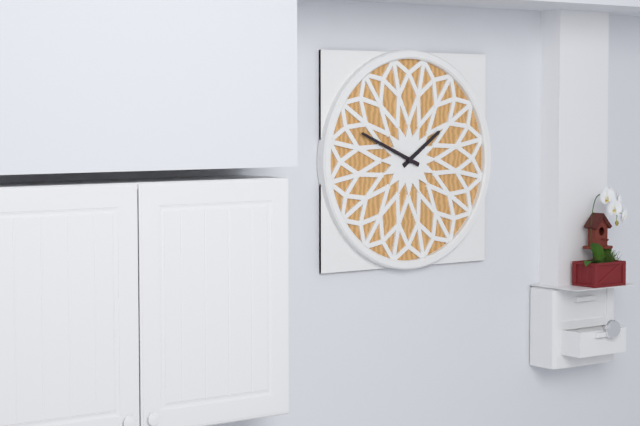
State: 1 h 49 min
